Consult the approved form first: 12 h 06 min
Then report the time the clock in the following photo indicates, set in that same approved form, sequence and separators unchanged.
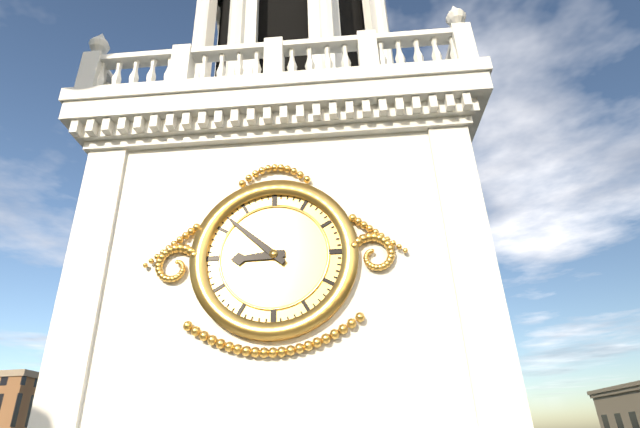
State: 8 h 52 min
